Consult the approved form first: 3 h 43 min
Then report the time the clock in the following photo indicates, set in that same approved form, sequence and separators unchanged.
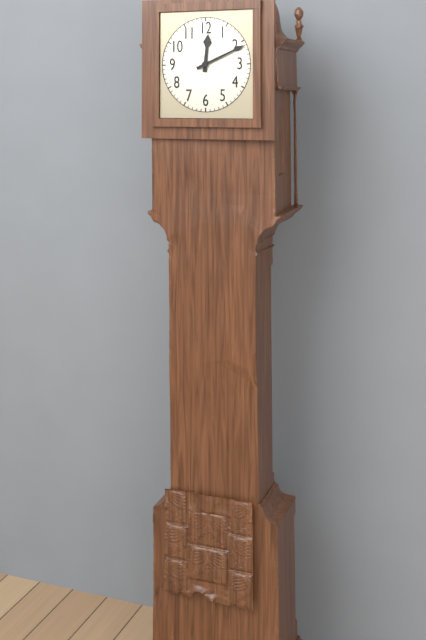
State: 12 h 11 min
